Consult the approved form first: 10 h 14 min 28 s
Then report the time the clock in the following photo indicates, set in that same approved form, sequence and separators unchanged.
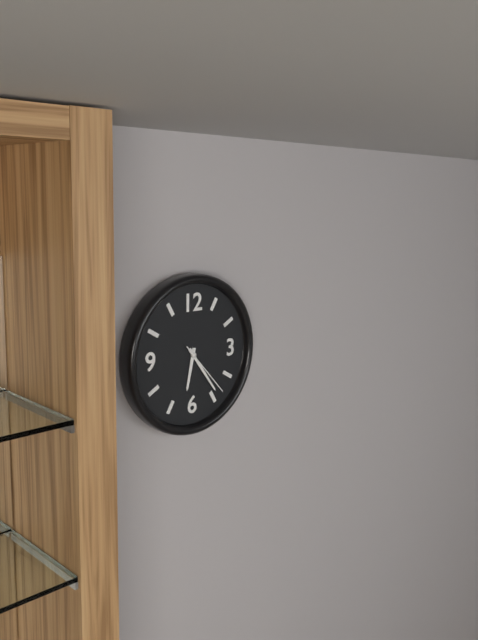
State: 6 h 24 min 23 s
